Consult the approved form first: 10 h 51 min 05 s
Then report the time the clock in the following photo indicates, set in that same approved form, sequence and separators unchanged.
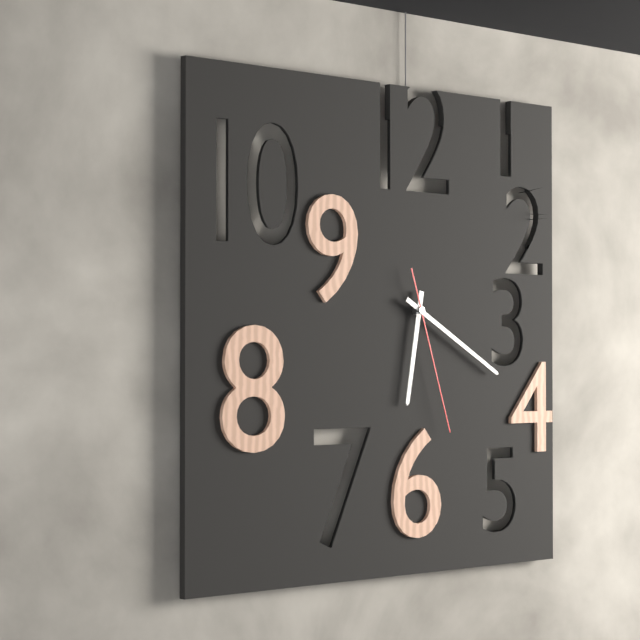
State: 6 h 20 min 27 s
